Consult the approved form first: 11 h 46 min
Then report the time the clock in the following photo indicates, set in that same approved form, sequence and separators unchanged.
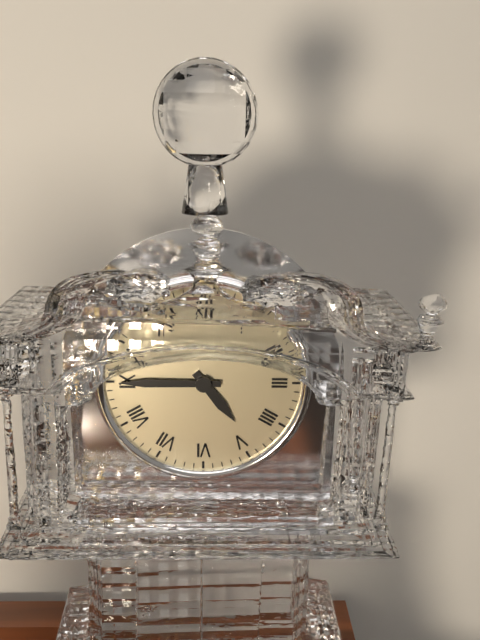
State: 4 h 45 min
